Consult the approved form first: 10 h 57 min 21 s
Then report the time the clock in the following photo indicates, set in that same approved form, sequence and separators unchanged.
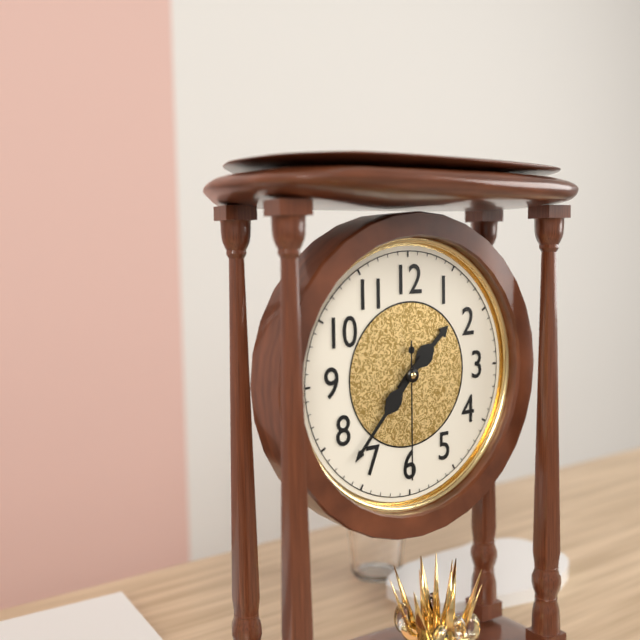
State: 1 h 37 min 30 s
